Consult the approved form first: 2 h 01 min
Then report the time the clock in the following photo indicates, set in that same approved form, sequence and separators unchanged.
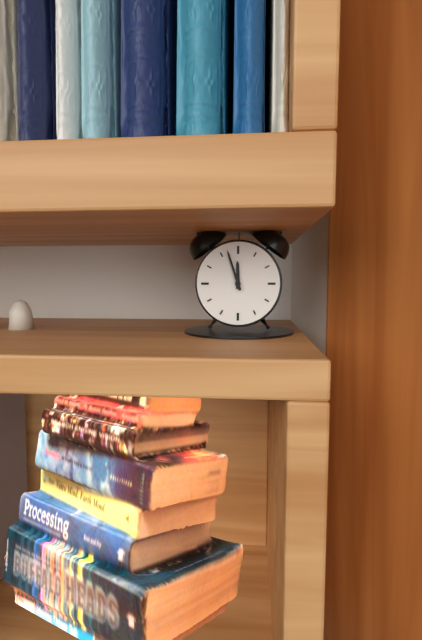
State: 11 h 57 min
